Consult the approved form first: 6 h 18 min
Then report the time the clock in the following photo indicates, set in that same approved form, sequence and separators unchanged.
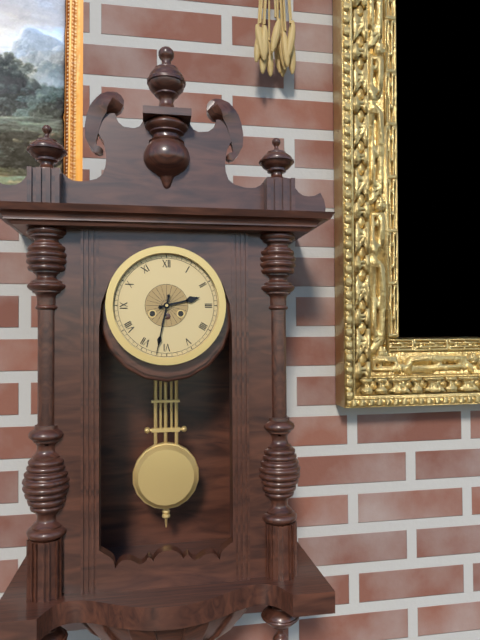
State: 2 h 32 min
